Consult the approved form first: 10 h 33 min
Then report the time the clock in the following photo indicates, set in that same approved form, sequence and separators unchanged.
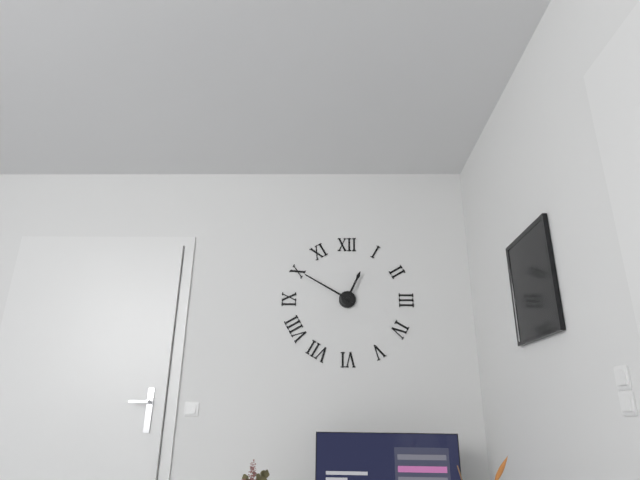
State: 12 h 50 min
